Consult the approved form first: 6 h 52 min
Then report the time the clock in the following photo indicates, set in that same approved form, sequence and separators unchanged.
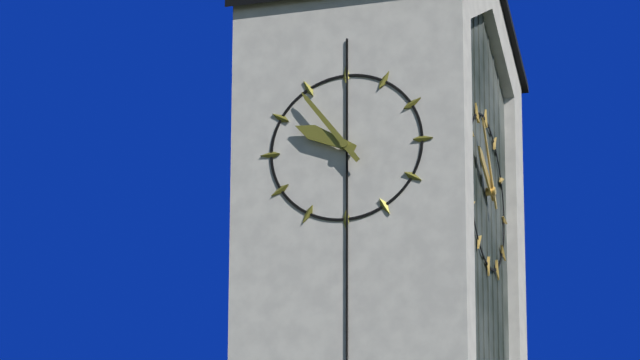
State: 9 h 54 min
